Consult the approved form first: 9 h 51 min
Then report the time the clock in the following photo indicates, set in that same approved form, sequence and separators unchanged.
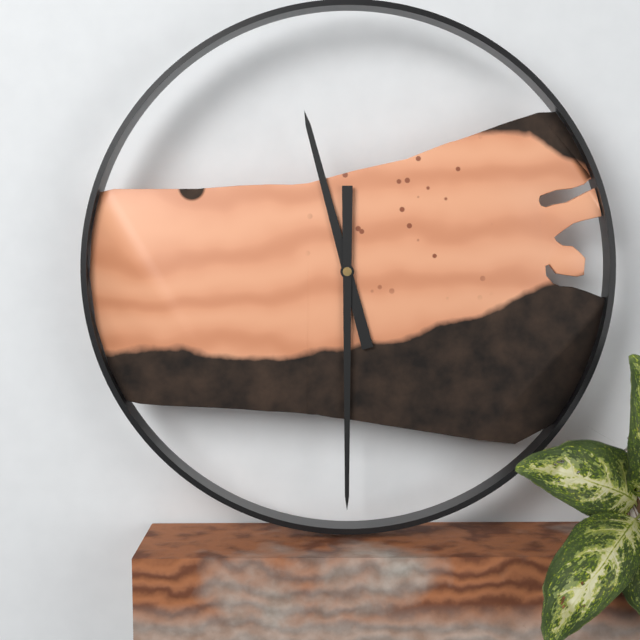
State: 11 h 30 min
